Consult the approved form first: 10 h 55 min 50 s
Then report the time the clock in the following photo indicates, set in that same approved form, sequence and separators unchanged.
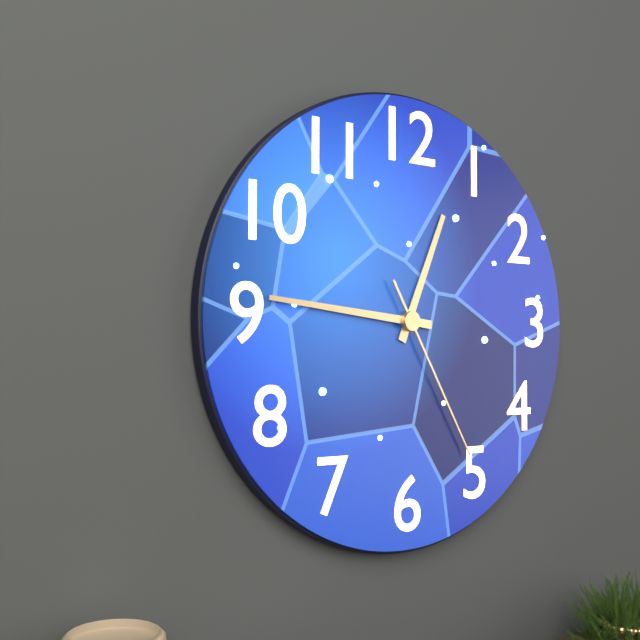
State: 12 h 46 min 25 s
